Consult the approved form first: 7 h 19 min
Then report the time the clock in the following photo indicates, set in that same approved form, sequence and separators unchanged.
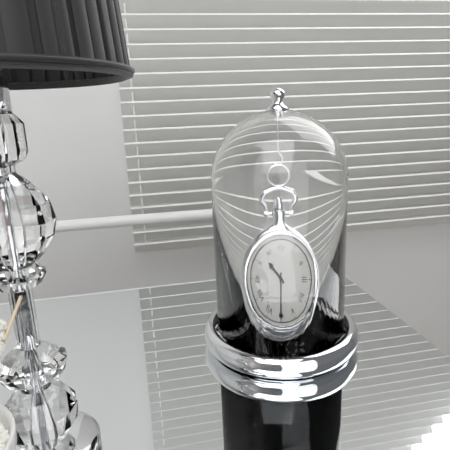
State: 10 h 30 min
